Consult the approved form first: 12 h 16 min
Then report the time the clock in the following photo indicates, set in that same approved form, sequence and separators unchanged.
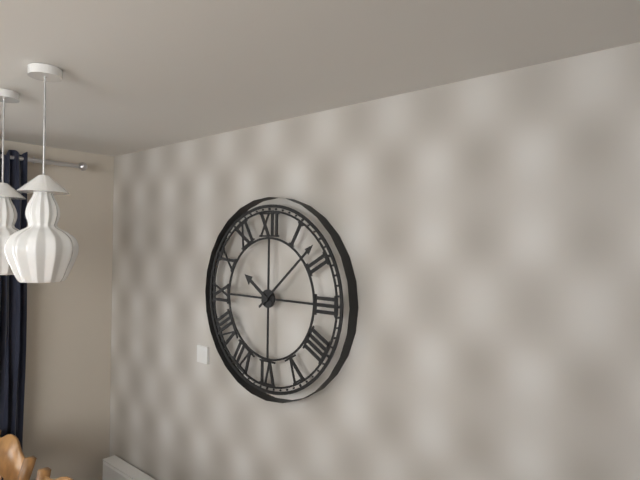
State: 10 h 08 min
